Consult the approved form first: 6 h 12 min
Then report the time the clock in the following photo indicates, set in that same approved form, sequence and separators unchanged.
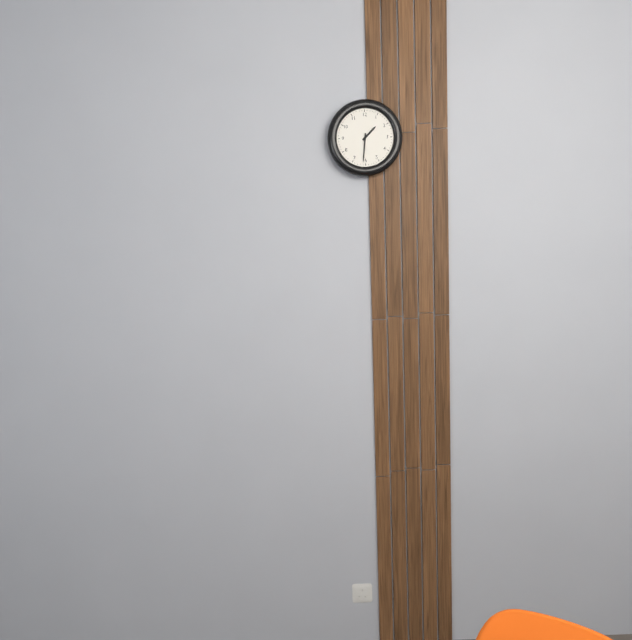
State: 1 h 31 min
